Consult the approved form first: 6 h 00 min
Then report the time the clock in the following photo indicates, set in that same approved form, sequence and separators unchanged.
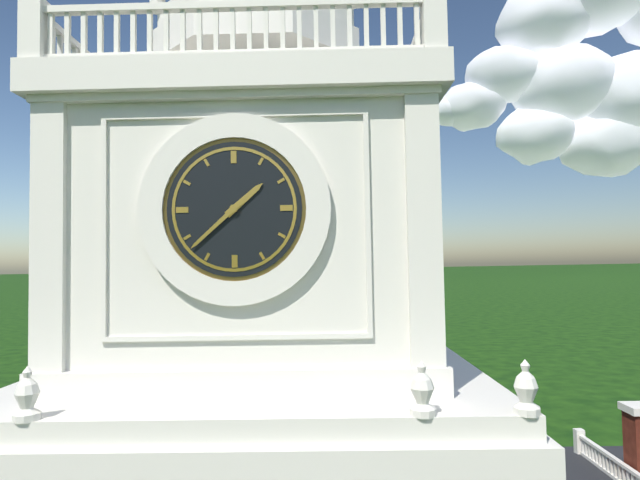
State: 1 h 38 min
